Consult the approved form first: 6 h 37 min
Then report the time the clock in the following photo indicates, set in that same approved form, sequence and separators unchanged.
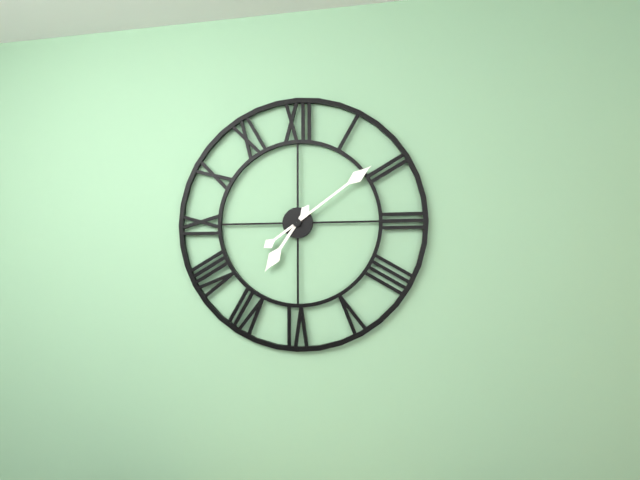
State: 7 h 09 min
